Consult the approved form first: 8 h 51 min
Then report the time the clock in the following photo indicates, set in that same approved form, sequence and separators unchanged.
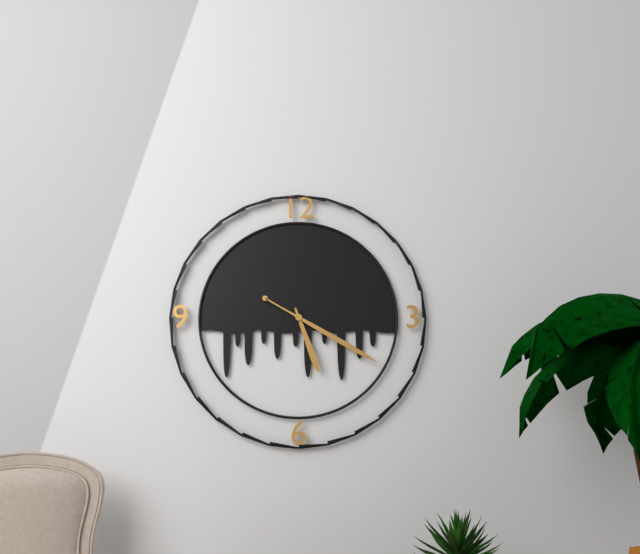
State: 5 h 20 min
